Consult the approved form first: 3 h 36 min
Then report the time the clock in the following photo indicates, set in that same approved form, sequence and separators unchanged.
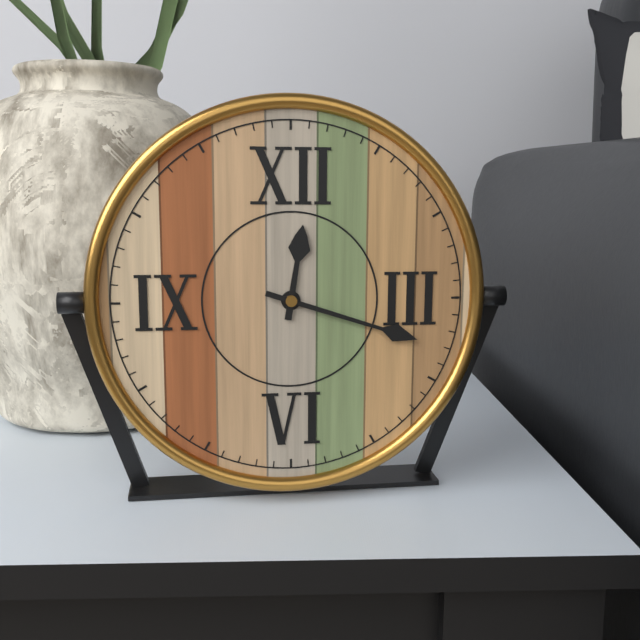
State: 12 h 18 min
